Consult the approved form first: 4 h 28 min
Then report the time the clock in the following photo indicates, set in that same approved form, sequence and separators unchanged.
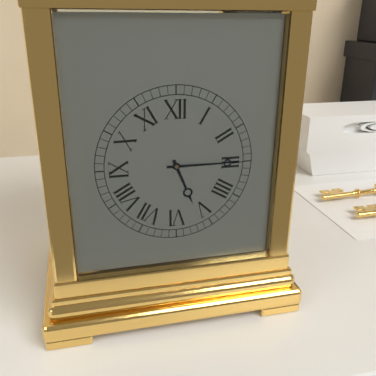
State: 5 h 15 min
